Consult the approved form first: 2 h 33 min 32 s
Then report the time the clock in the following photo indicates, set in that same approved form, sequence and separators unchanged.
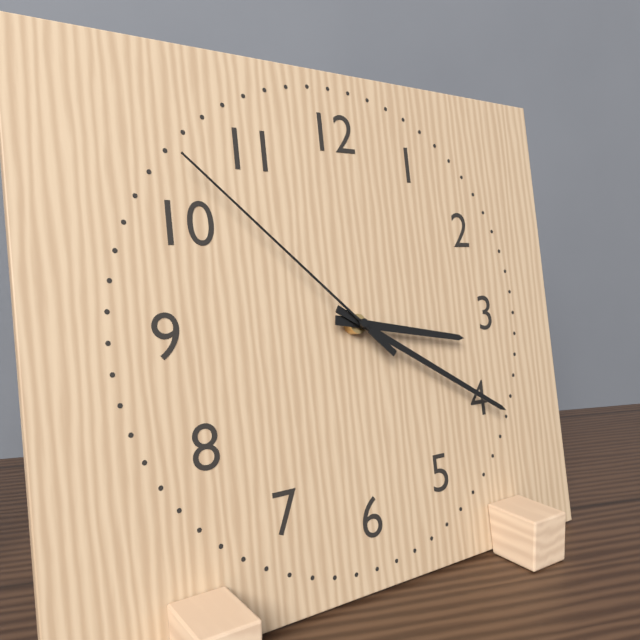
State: 3 h 20 min 52 s
